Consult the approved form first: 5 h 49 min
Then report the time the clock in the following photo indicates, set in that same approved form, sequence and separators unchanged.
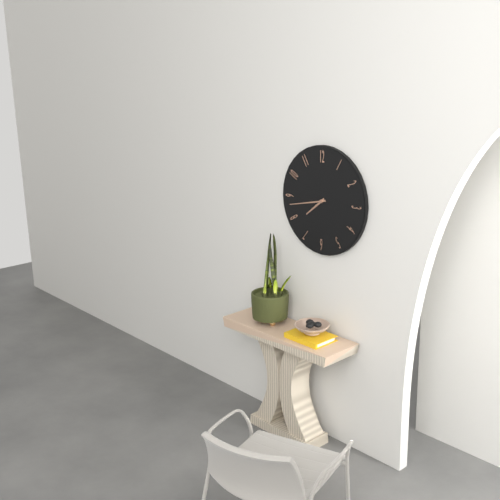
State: 7 h 43 min
